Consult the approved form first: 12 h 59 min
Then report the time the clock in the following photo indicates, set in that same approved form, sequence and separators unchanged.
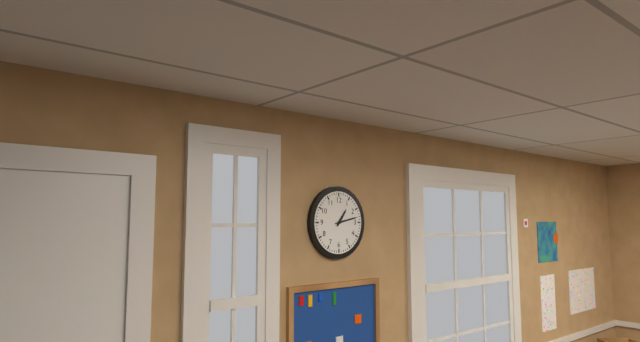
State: 1 h 13 min
